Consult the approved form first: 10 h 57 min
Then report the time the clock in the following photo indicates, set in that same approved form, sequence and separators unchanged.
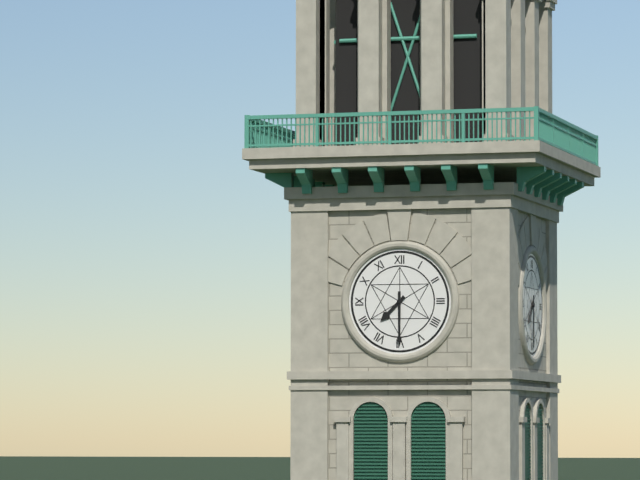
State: 7 h 30 min
